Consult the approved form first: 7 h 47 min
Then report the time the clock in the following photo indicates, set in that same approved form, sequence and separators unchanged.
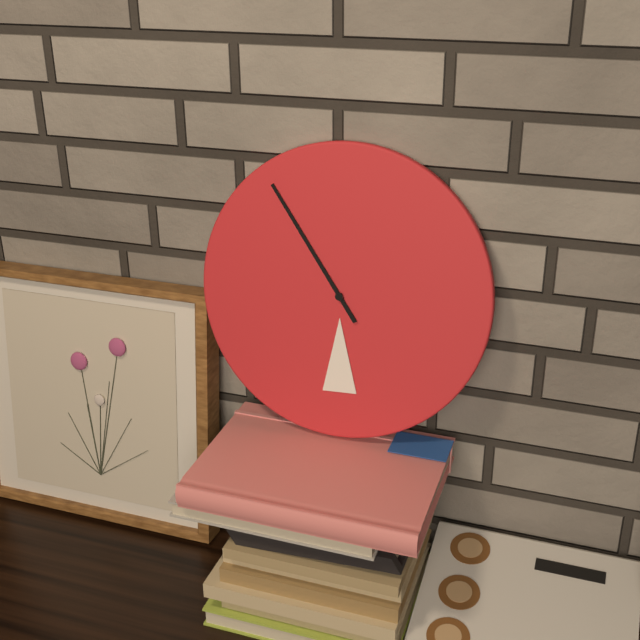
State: 5 h 54 min
